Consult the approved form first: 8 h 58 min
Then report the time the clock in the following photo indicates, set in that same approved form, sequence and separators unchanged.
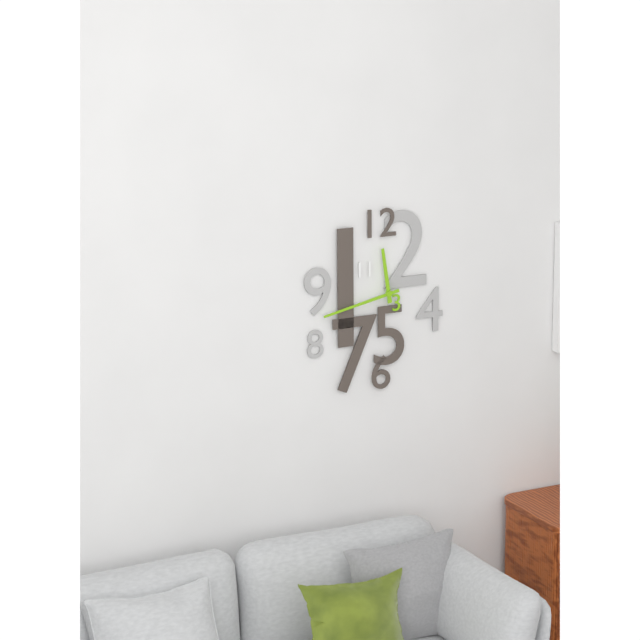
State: 11 h 43 min
